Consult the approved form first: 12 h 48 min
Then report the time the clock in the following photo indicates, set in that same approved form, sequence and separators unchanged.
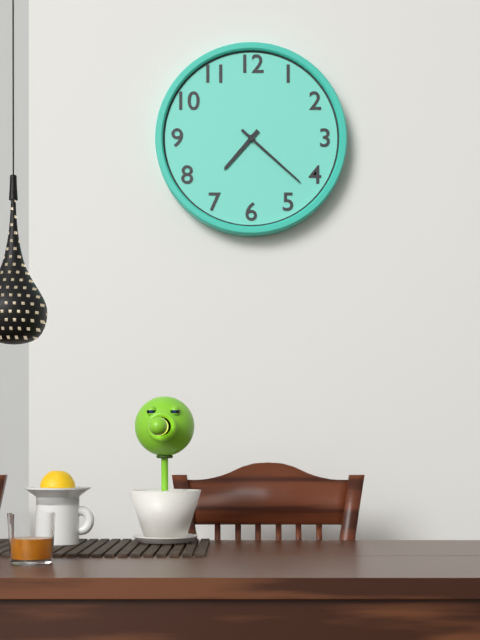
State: 7 h 22 min
